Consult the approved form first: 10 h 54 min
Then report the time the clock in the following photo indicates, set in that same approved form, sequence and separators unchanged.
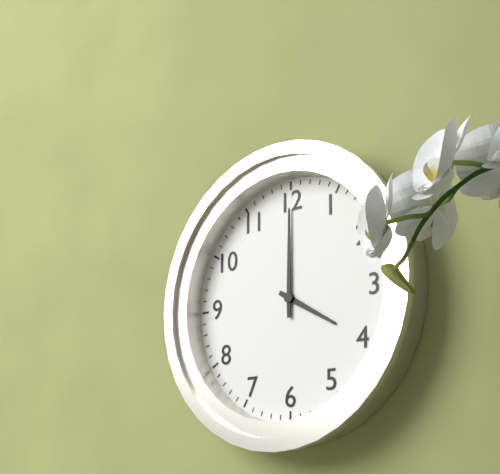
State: 4 h 00 min
